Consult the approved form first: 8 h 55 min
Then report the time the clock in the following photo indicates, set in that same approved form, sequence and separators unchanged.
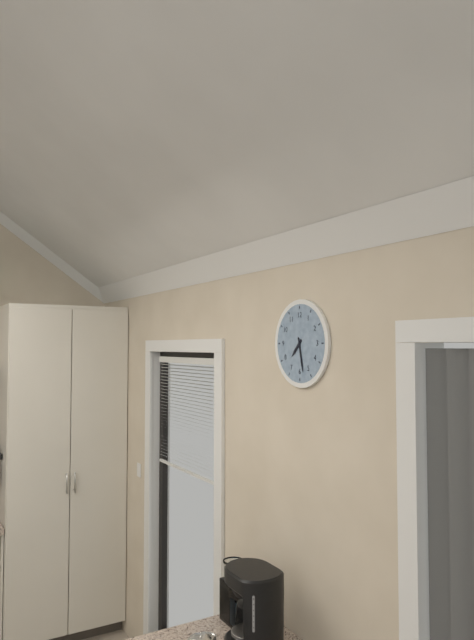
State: 7 h 28 min
